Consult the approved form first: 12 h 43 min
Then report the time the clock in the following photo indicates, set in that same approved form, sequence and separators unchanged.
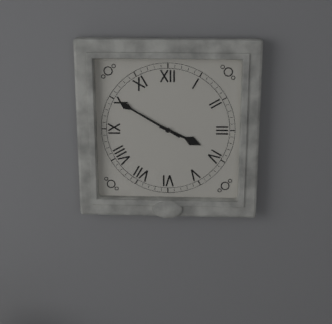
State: 3 h 50 min
